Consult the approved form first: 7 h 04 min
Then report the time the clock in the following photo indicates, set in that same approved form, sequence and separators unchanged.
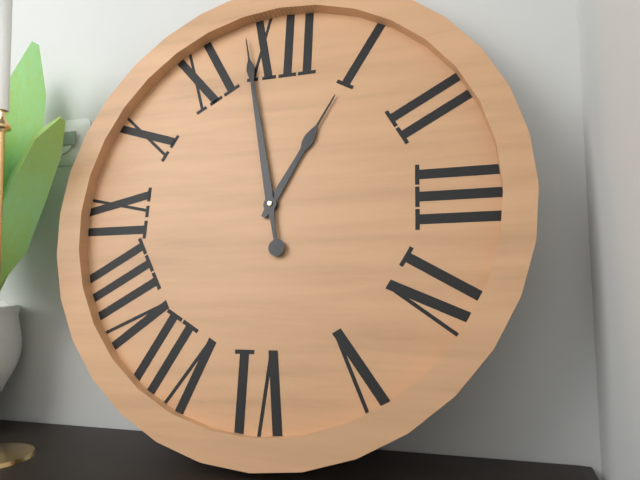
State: 12 h 58 min
